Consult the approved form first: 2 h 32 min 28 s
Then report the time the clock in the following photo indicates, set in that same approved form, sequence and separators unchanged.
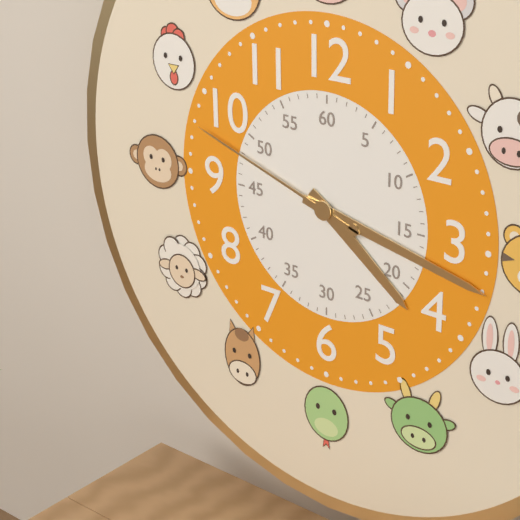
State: 4 h 17 min 48 s
